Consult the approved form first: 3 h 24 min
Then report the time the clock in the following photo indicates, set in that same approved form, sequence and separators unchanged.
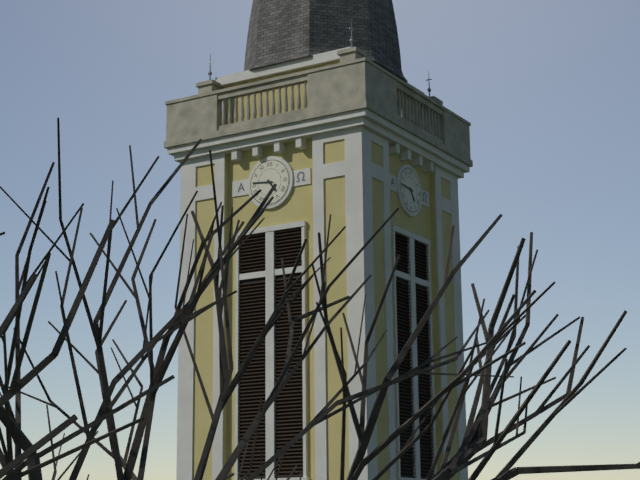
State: 4 h 46 min
